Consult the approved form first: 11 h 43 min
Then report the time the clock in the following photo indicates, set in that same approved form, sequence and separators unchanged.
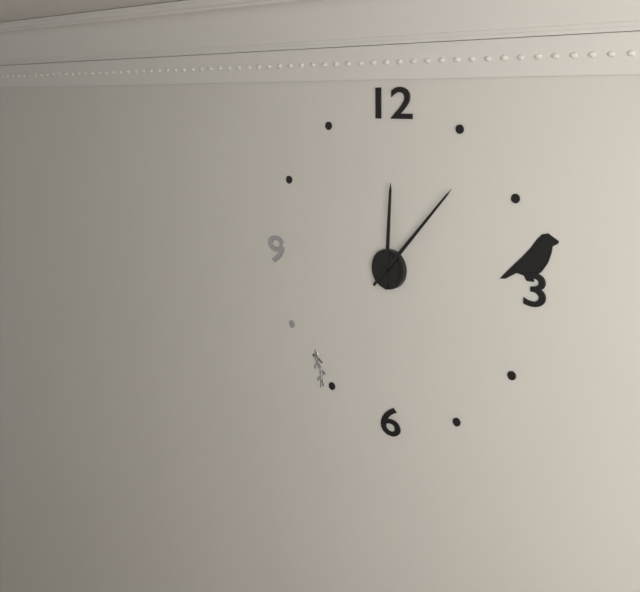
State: 12 h 07 min
